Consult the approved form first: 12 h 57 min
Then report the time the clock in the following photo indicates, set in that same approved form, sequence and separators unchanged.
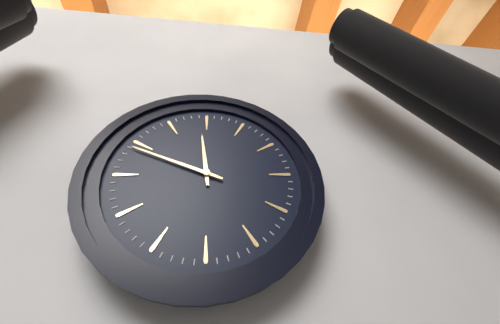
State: 11 h 49 min
